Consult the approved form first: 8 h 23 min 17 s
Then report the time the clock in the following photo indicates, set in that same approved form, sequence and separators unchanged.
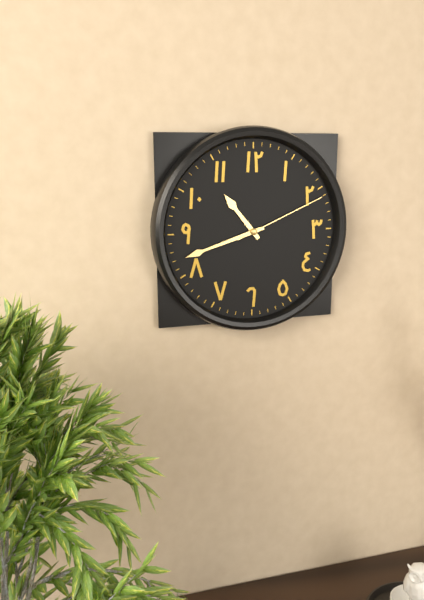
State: 10 h 42 min 11 s
